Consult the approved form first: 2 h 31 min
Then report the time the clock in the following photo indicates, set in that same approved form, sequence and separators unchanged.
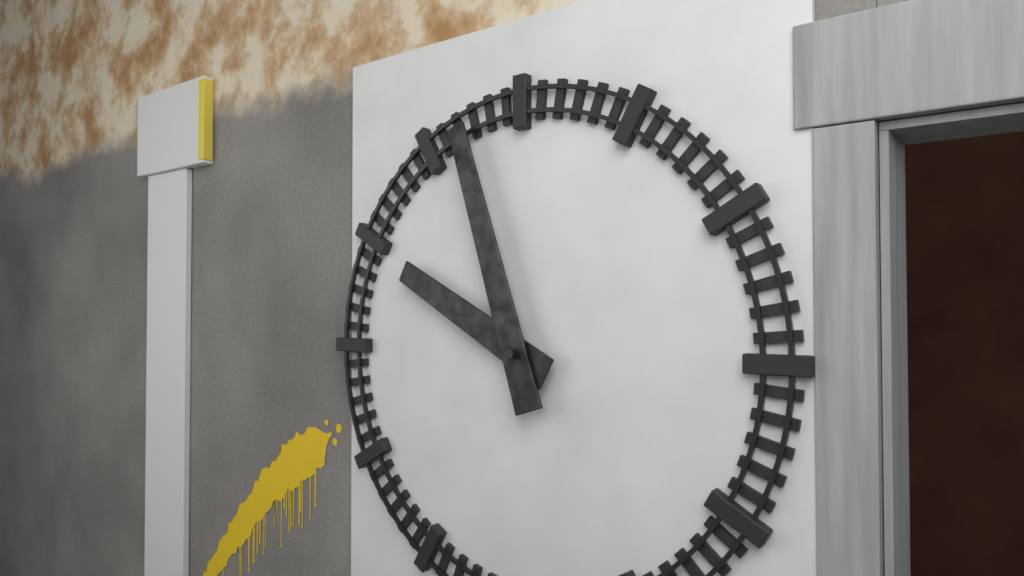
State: 9 h 57 min
